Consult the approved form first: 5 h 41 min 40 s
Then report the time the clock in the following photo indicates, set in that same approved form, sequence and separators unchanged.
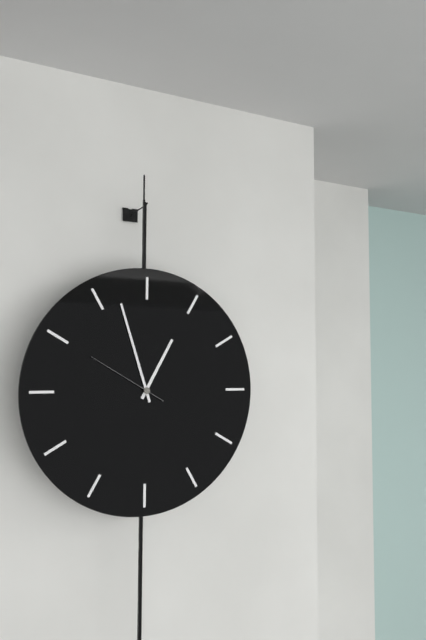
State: 12 h 57 min 50 s
